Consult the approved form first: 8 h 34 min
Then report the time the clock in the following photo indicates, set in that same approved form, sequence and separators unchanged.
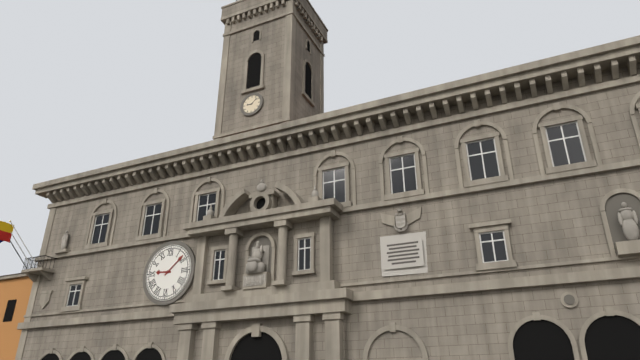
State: 9 h 08 min
